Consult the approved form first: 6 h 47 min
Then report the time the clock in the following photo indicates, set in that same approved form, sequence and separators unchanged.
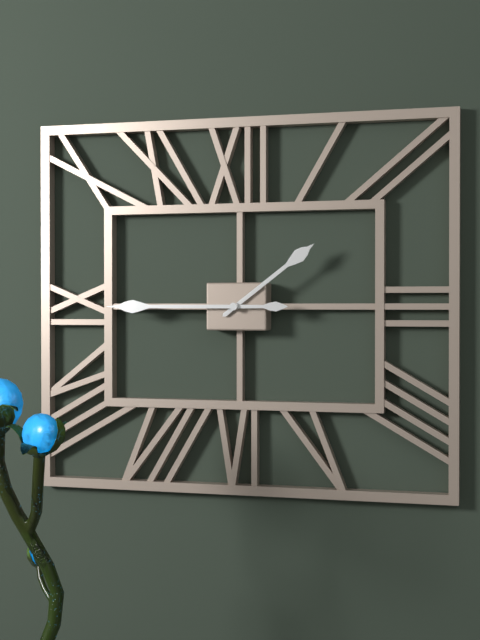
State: 1 h 45 min
